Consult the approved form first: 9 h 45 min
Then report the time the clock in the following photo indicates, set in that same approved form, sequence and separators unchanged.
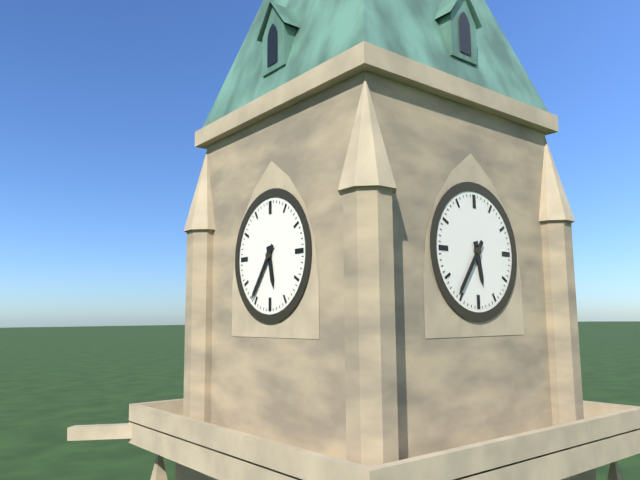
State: 5 h 36 min
